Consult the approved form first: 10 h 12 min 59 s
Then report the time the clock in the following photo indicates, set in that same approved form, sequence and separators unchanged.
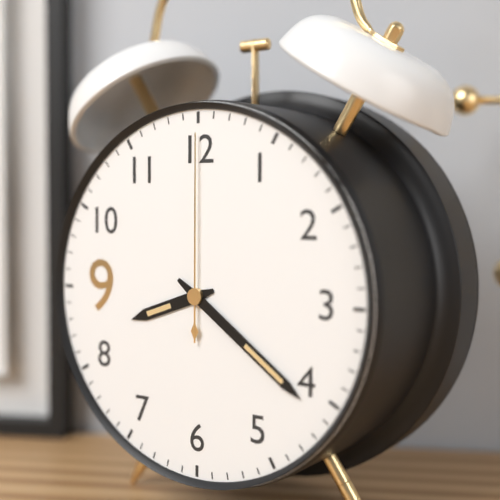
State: 8 h 21 min 00 s
